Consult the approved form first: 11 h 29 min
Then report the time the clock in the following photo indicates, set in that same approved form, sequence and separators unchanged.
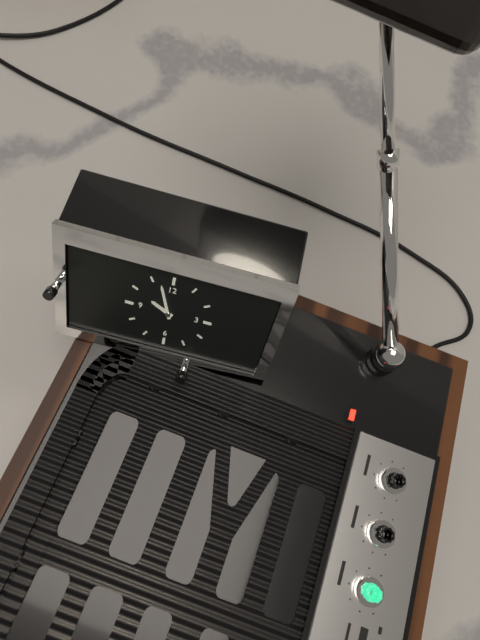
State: 9 h 57 min
